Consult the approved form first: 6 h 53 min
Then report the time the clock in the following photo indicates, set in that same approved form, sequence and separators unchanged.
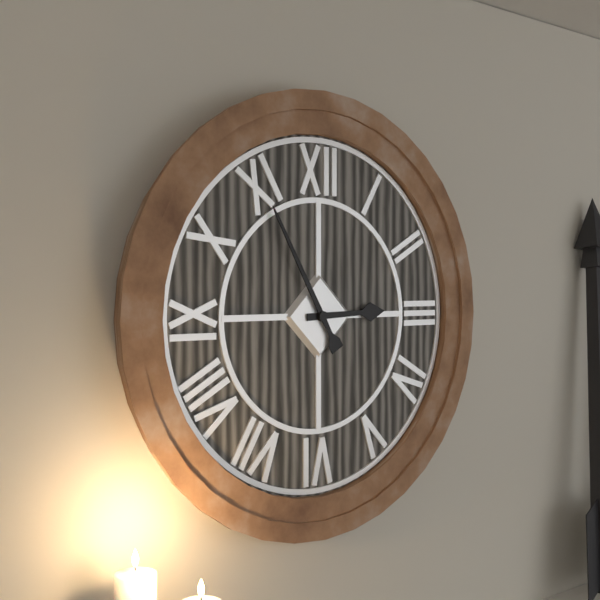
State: 2 h 55 min
